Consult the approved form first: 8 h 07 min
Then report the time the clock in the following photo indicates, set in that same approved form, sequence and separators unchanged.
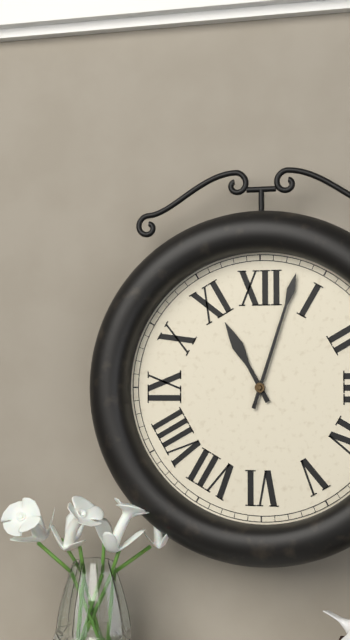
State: 11 h 03 min
